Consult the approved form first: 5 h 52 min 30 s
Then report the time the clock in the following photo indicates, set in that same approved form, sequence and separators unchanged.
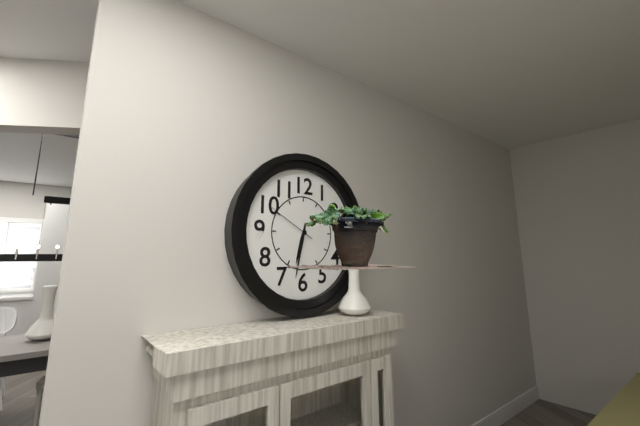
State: 6 h 32 min 50 s
